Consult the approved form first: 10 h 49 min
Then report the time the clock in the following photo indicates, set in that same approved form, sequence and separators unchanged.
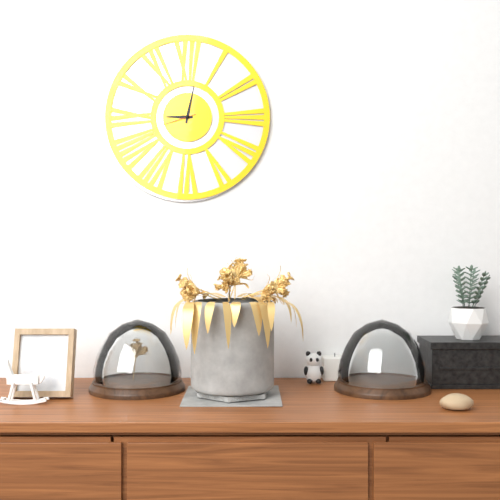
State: 9 h 02 min
